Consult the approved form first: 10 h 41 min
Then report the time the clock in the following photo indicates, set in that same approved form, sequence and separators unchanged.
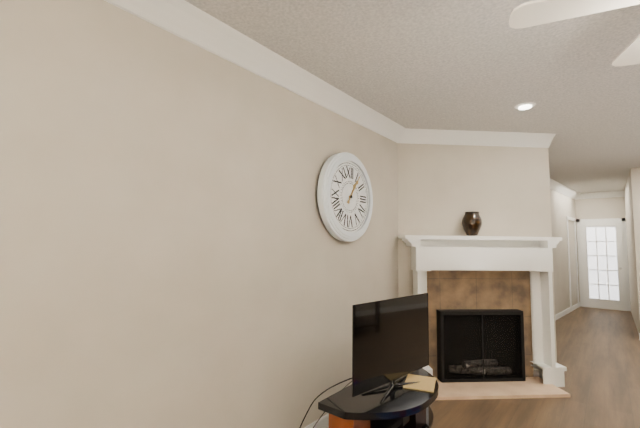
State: 1 h 06 min
